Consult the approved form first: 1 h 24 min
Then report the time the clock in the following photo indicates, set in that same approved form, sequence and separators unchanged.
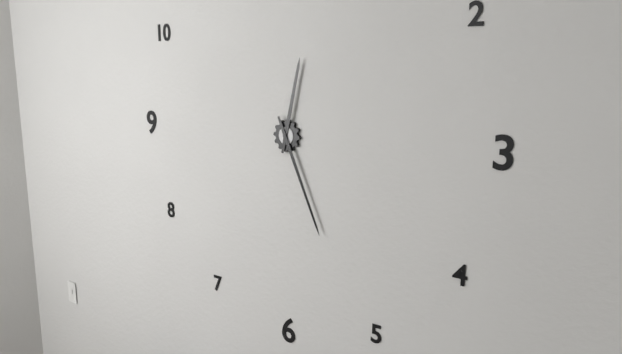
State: 12 h 26 min
